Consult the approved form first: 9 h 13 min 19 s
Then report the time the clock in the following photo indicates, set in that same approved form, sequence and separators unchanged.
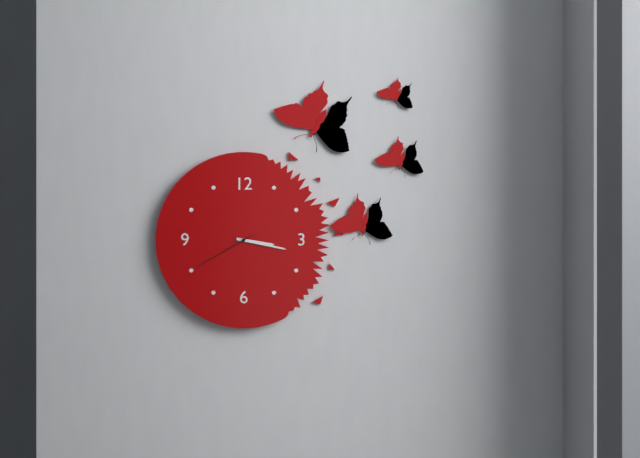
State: 3 h 17 min 40 s
